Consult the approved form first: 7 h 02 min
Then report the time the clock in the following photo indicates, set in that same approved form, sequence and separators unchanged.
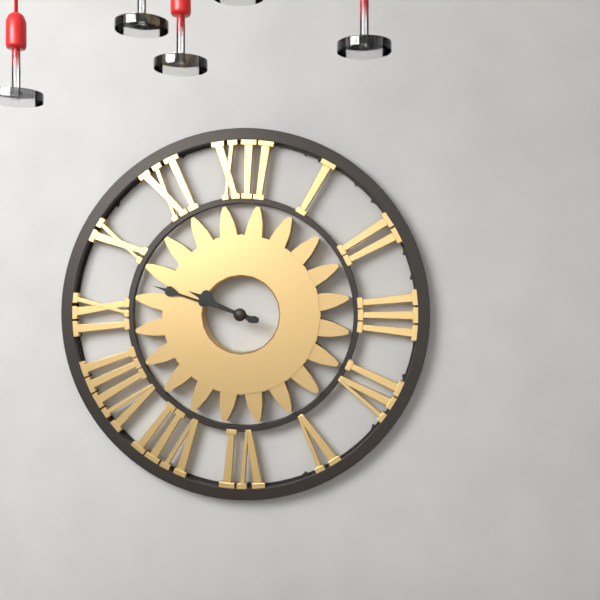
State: 9 h 48 min
